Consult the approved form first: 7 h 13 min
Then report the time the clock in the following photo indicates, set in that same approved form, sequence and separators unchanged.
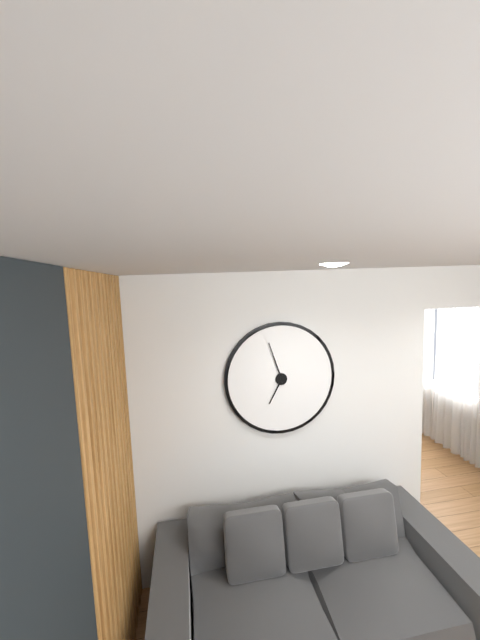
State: 6 h 57 min
